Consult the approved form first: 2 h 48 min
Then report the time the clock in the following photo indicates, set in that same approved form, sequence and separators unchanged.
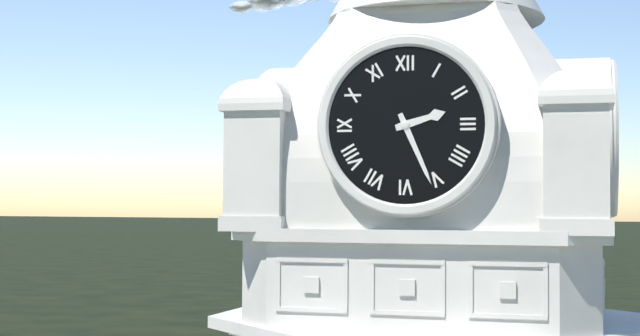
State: 2 h 26 min
